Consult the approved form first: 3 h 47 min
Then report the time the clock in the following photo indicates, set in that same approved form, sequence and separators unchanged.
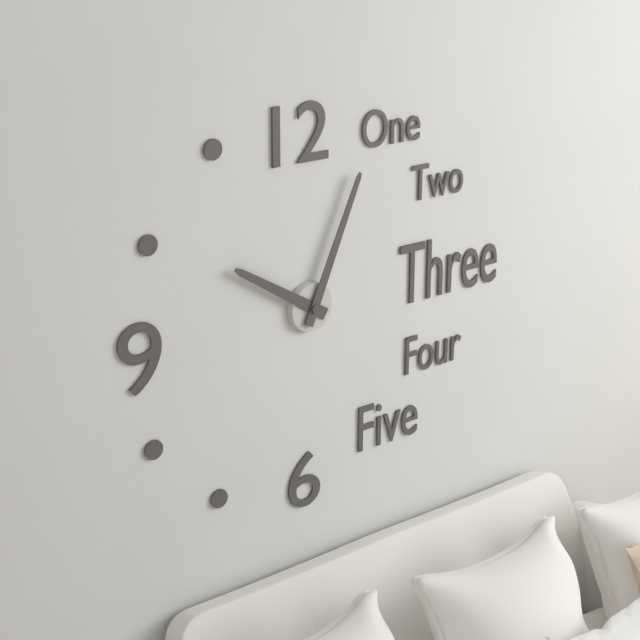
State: 10 h 04 min
